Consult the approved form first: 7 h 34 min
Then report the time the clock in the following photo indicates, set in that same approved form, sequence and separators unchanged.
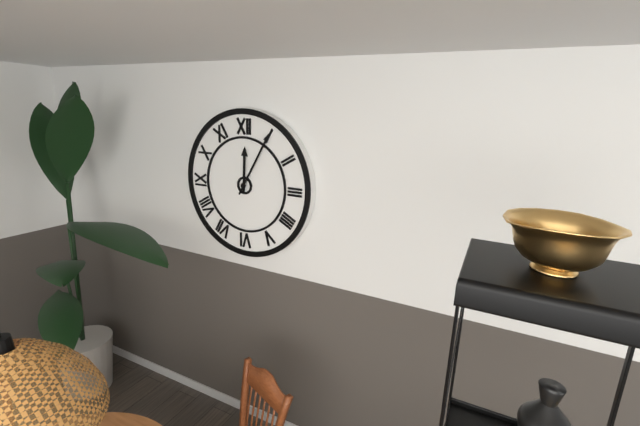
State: 12 h 05 min
